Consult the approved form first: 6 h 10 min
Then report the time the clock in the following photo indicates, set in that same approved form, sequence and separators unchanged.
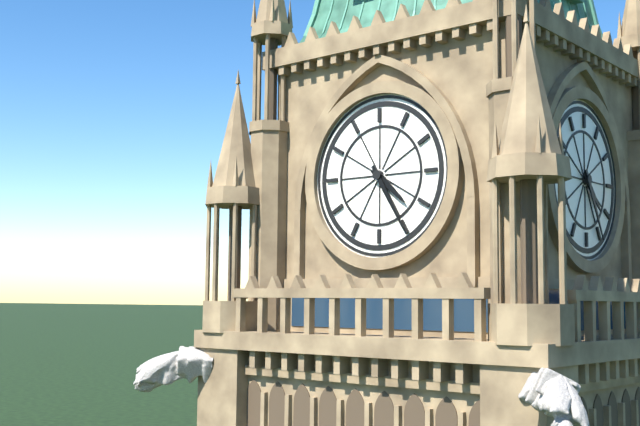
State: 4 h 25 min
